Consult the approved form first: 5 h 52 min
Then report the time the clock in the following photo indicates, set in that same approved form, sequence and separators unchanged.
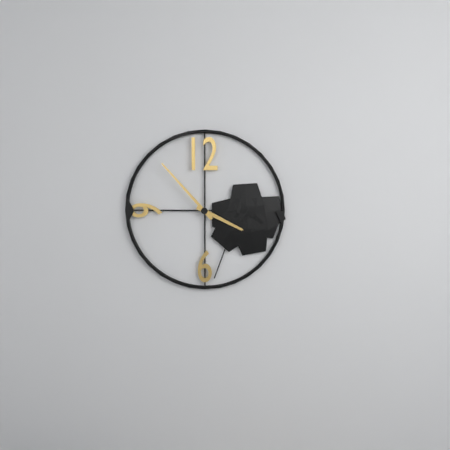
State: 3 h 53 min
